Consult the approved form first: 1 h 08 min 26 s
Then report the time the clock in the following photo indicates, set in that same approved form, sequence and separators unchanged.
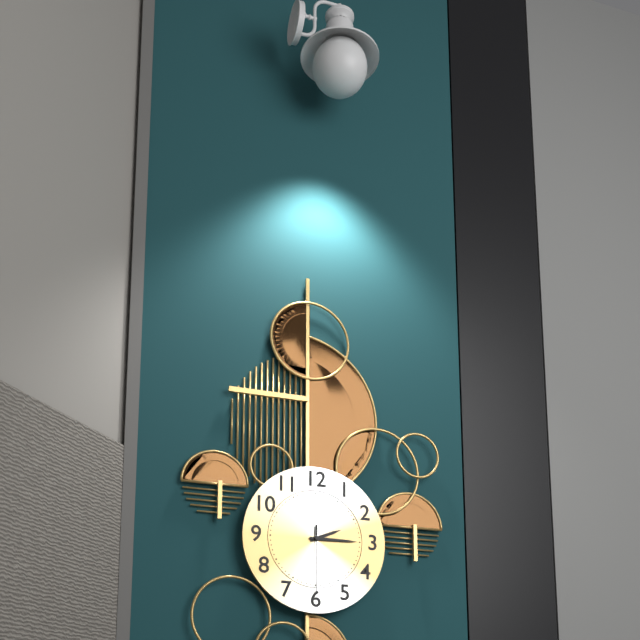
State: 2 h 15 min 30 s
